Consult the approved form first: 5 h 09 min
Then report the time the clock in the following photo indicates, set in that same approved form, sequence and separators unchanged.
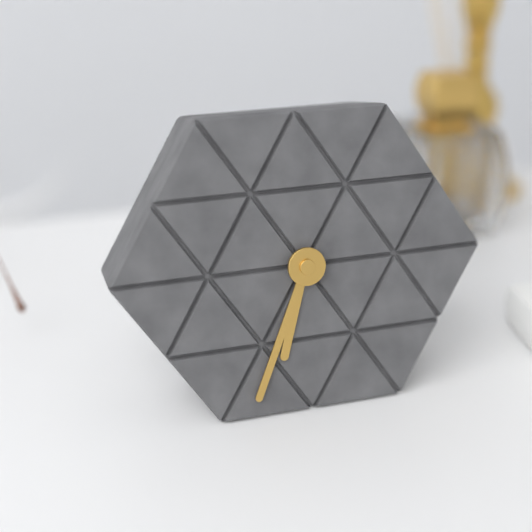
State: 6 h 34 min
